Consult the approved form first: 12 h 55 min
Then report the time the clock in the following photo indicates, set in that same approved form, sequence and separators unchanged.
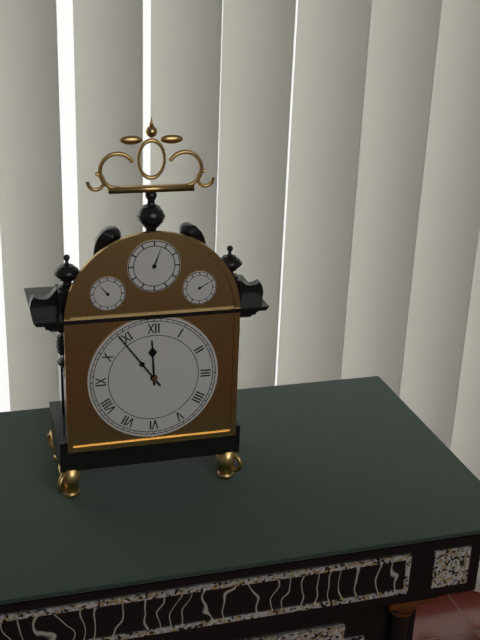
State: 11 h 54 min
